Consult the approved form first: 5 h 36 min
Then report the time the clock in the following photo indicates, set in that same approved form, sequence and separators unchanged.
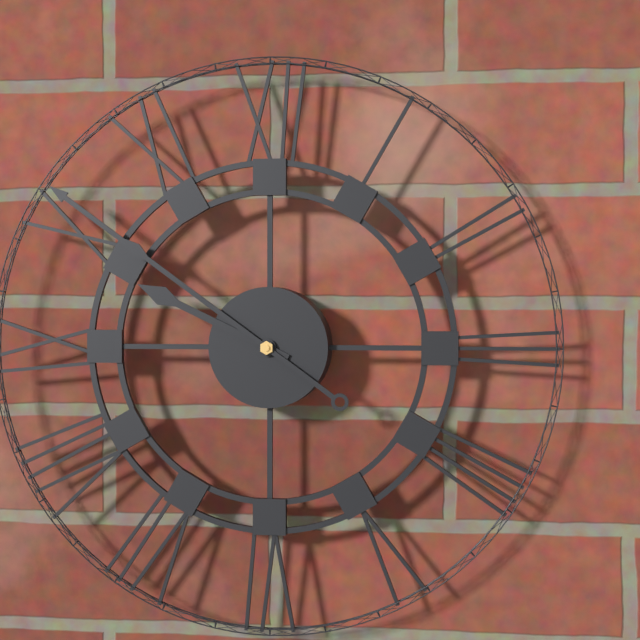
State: 9 h 51 min
